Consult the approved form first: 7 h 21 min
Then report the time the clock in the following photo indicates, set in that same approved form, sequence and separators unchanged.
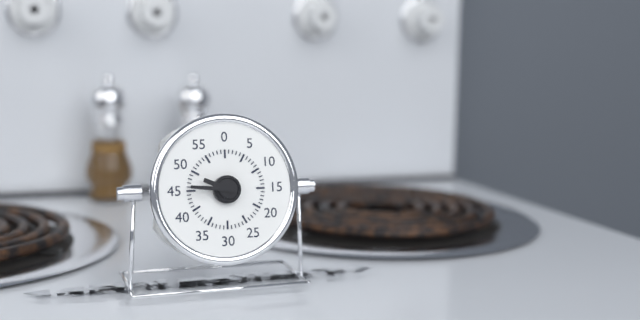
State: 9 h 46 min
